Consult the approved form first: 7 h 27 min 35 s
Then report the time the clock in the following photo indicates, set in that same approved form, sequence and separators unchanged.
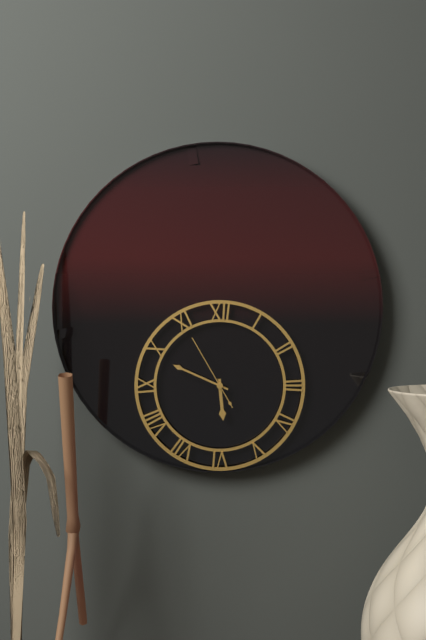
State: 5 h 49 min 55 s
